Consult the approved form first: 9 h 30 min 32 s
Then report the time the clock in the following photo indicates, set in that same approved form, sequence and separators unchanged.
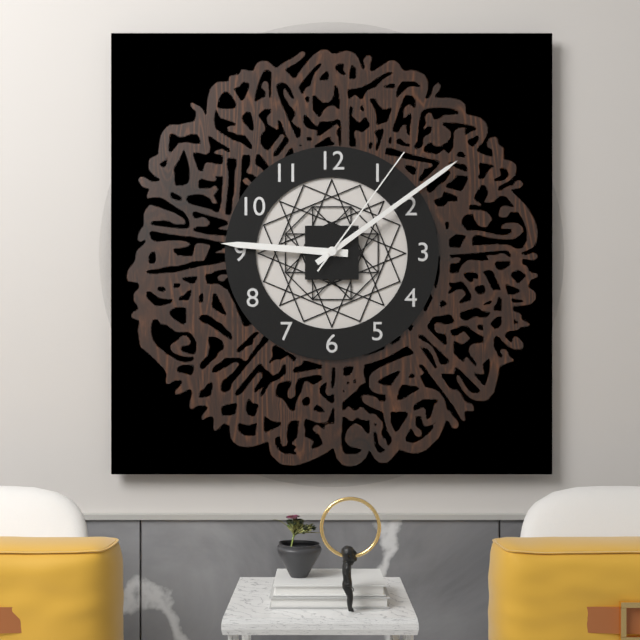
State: 9 h 09 min 06 s
